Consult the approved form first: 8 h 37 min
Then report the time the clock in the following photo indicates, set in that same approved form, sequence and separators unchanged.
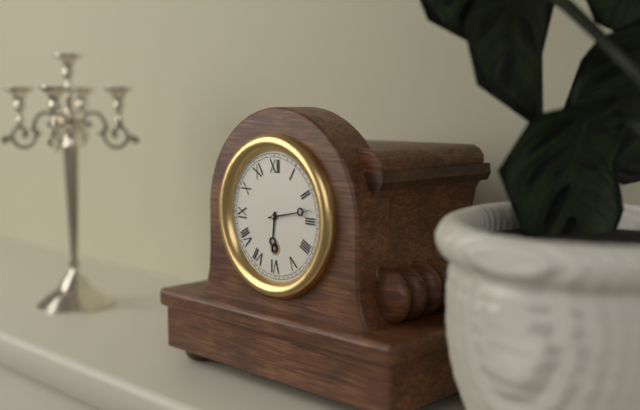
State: 6 h 13 min
